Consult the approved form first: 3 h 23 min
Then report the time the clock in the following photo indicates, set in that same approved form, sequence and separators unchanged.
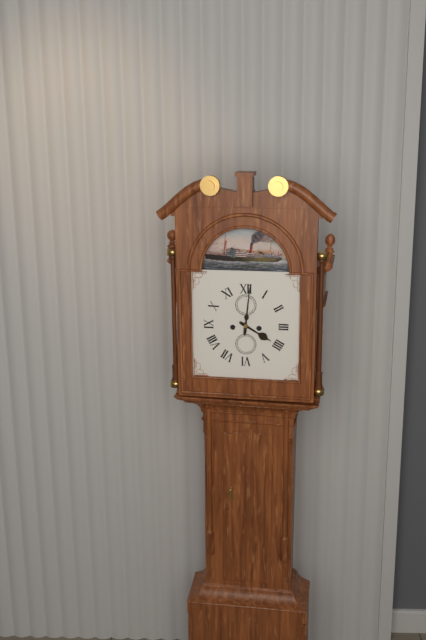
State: 4 h 01 min
